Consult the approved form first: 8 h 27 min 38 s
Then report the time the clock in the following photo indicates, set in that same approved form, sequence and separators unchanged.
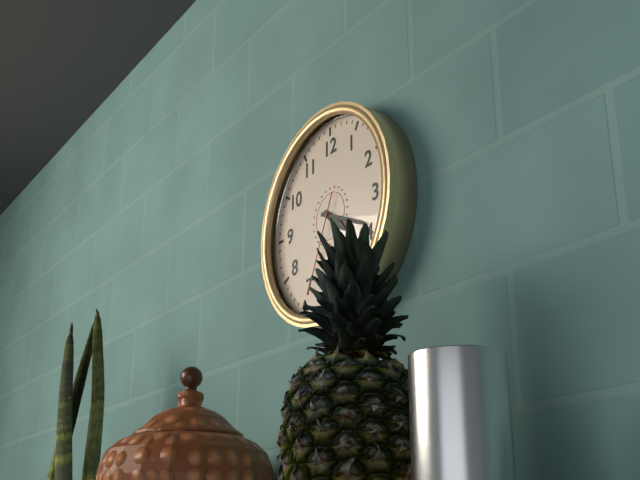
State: 4 h 19 min 34 s
